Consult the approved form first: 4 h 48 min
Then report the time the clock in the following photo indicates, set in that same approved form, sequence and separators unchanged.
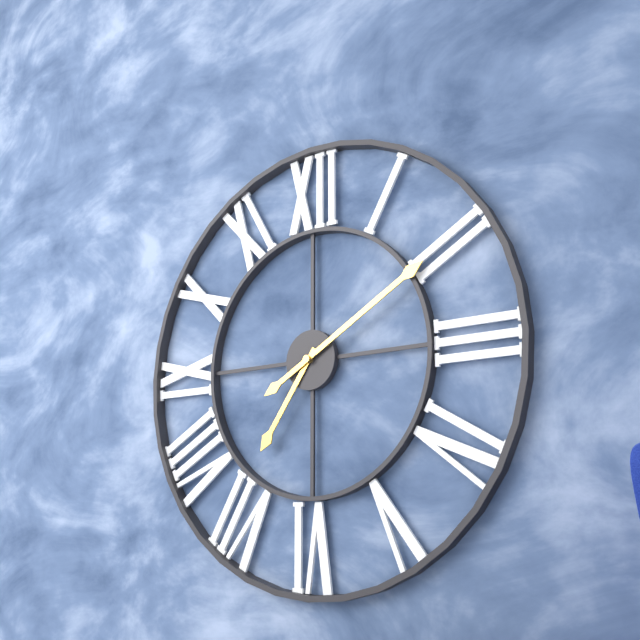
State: 7 h 10 min
